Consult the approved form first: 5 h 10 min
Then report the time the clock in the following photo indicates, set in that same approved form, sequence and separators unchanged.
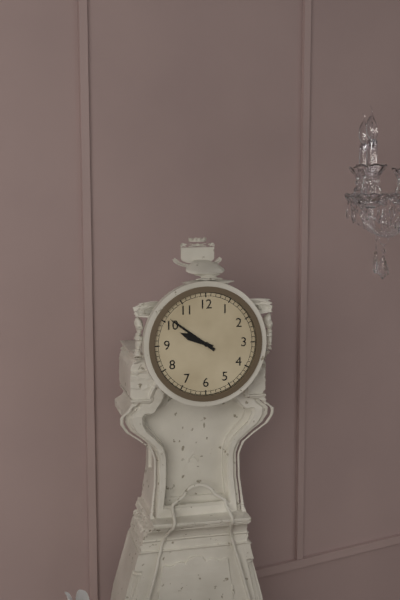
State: 9 h 51 min
